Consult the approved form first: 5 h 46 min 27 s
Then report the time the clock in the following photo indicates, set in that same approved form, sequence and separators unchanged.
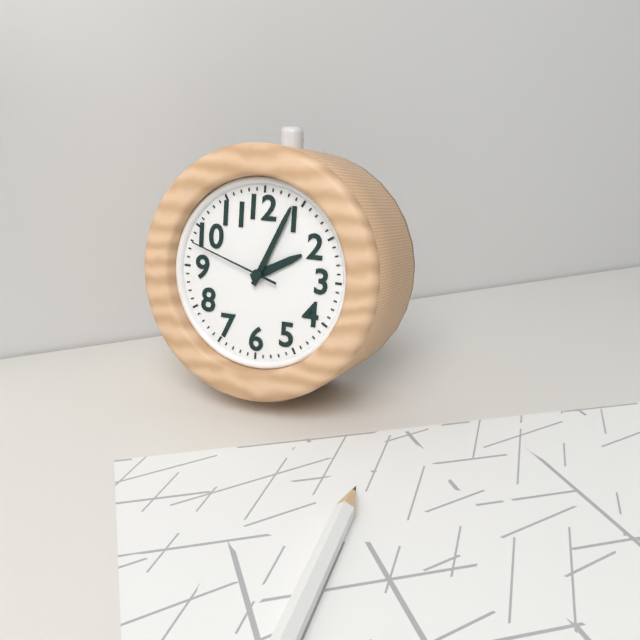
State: 2 h 04 min 48 s
